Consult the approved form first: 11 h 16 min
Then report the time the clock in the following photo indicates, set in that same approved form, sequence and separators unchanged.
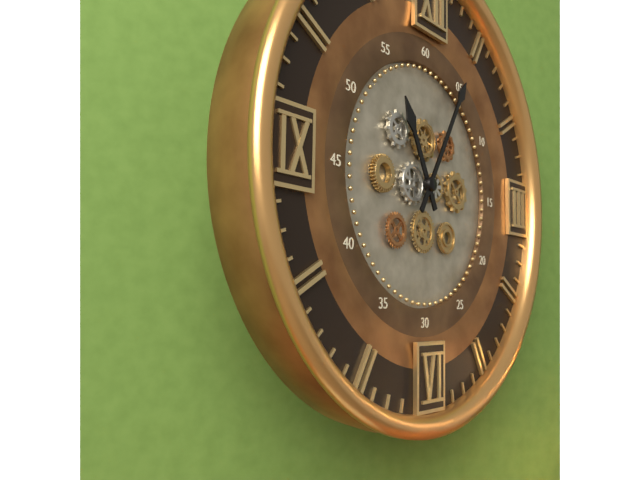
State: 11 h 05 min
